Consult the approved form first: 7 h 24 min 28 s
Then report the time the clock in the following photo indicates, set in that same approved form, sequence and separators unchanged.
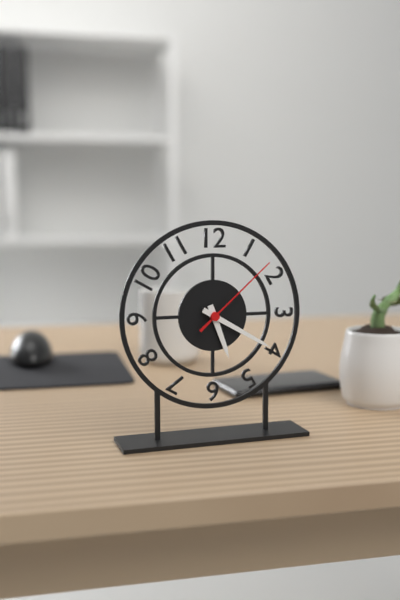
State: 5 h 20 min 08 s
